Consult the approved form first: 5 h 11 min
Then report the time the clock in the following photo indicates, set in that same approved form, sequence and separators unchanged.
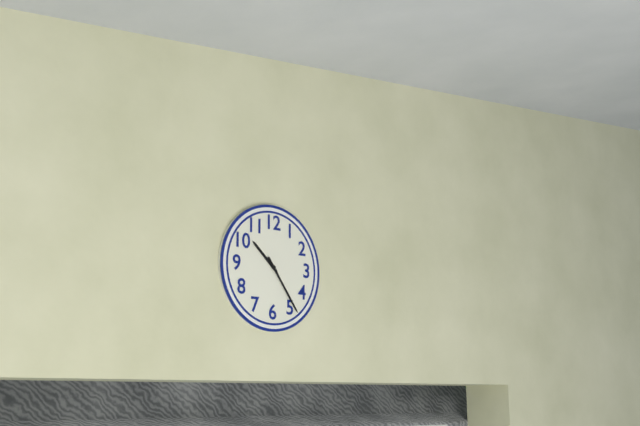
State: 10 h 24 min
